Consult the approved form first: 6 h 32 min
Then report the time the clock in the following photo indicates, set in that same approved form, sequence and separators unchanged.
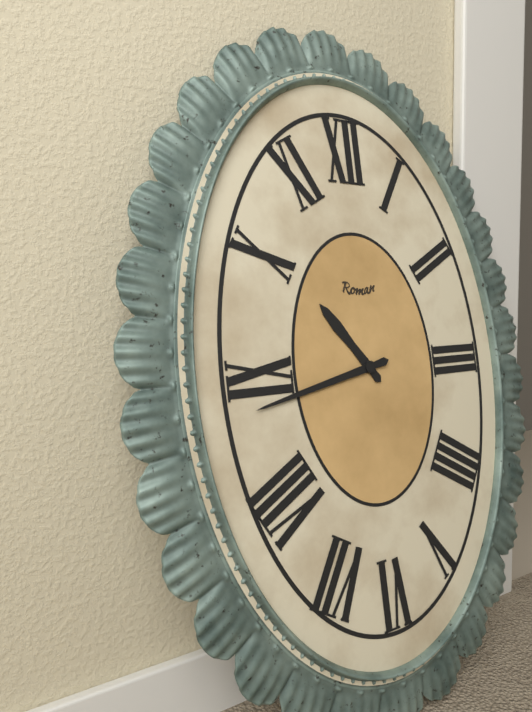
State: 10 h 43 min
